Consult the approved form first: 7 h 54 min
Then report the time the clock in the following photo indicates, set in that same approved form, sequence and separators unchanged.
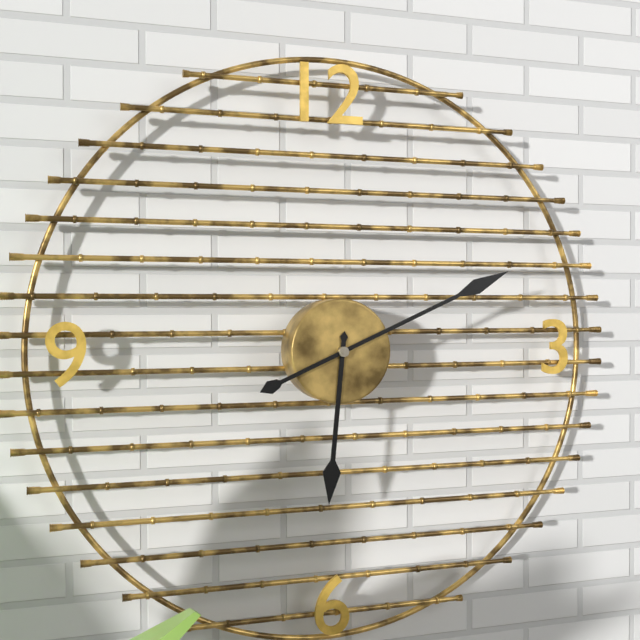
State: 6 h 11 min
